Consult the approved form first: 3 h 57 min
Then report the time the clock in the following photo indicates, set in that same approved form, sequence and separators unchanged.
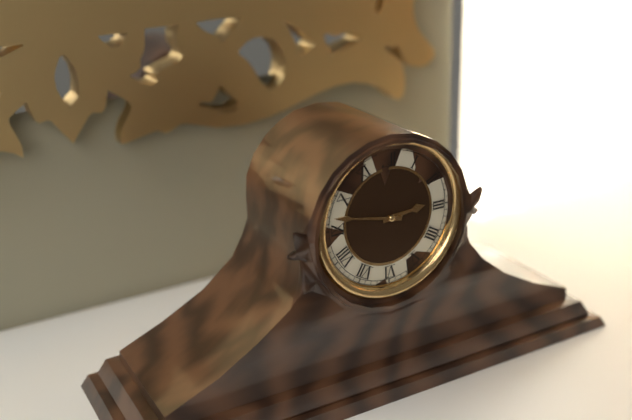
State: 2 h 47 min
